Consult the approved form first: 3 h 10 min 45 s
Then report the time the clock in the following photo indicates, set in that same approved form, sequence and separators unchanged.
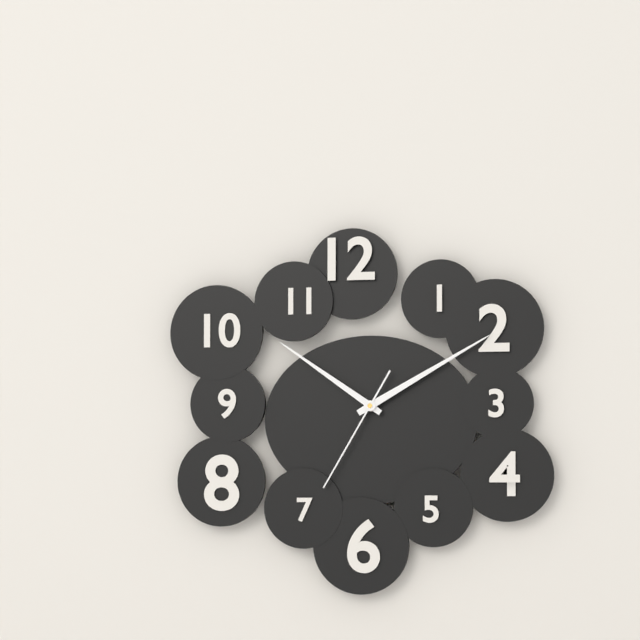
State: 10 h 10 min 35 s
